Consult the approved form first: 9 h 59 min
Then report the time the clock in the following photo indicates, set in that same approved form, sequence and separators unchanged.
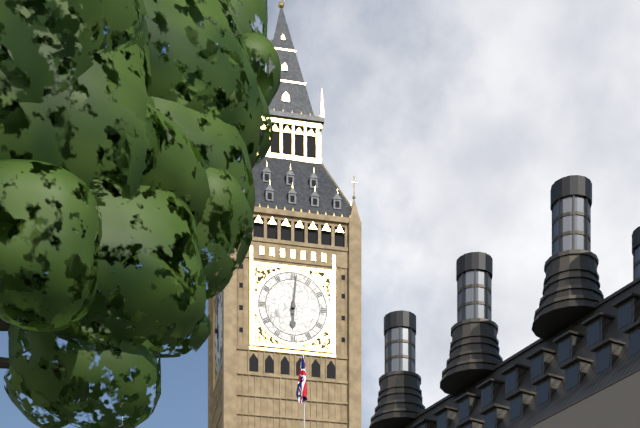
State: 6 h 01 min
